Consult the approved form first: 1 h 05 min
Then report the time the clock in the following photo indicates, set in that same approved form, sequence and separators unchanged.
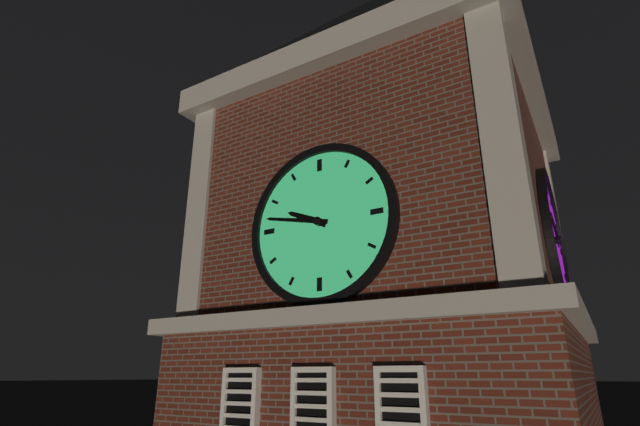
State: 9 h 47 min
